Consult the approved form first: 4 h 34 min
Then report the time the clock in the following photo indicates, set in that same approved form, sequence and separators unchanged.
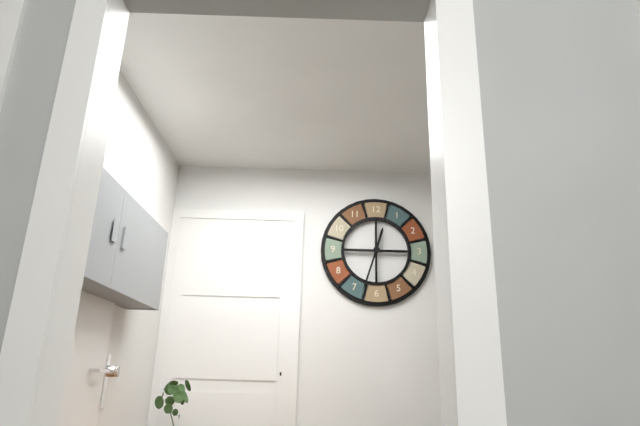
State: 12 h 33 min
